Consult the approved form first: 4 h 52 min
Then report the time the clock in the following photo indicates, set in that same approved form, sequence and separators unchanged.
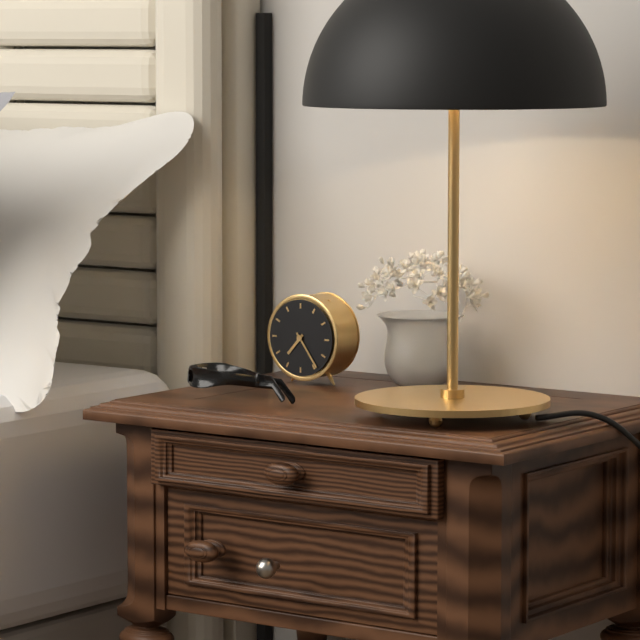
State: 7 h 24 min
